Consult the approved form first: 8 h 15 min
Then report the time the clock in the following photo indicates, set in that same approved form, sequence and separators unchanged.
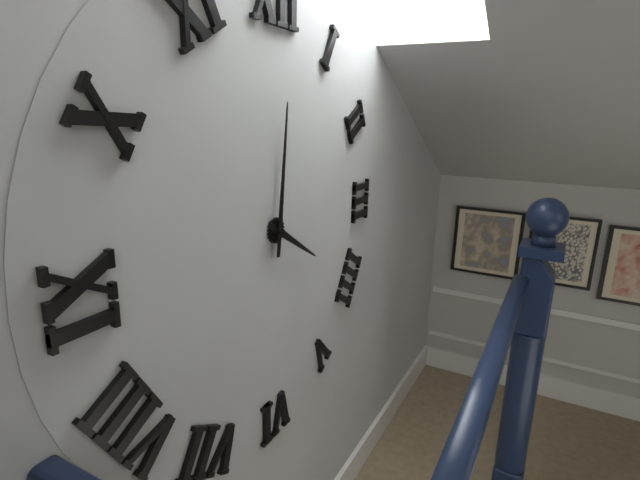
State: 4 h 01 min
